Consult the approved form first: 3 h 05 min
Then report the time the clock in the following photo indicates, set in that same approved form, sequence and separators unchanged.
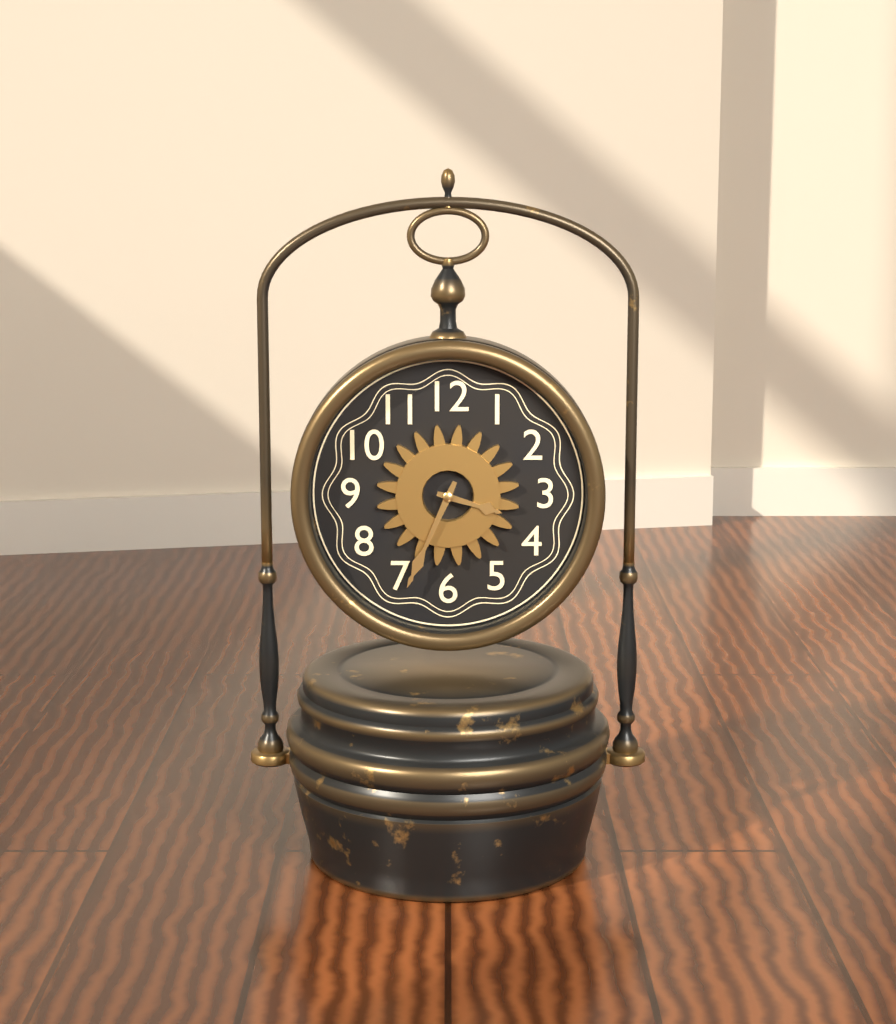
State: 3 h 34 min
